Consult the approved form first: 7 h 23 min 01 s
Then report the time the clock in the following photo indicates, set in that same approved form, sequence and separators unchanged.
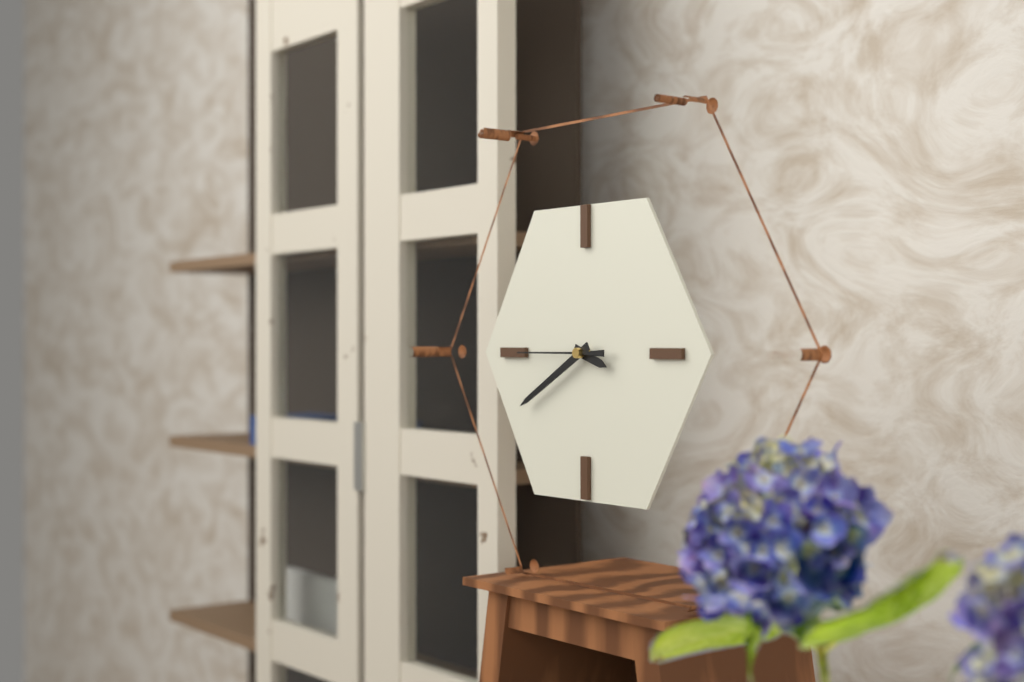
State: 3 h 40 min 45 s
